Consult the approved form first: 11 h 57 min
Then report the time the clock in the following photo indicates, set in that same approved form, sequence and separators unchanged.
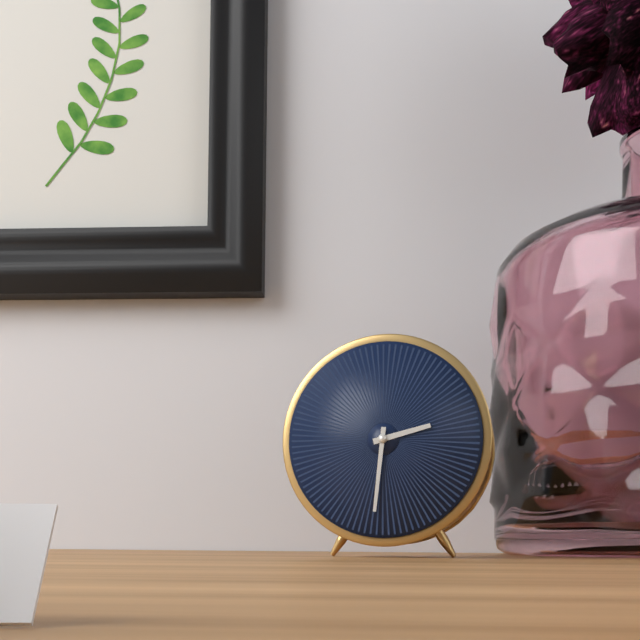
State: 2 h 31 min
